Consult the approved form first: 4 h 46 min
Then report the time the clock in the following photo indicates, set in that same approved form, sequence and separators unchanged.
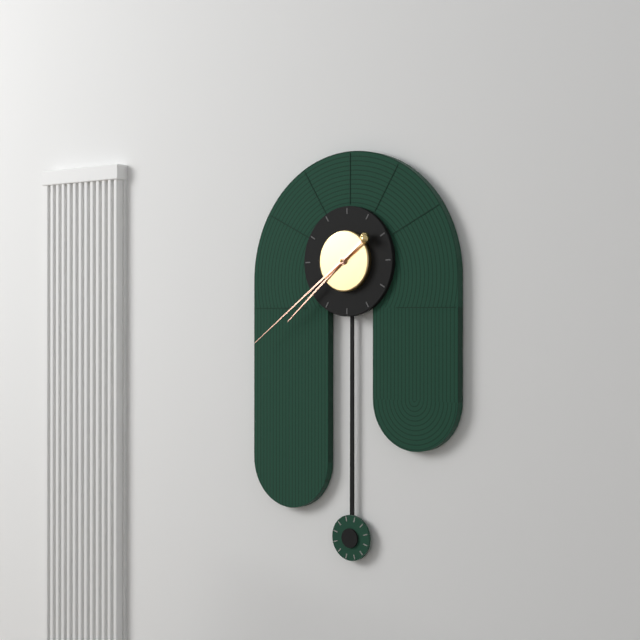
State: 7 h 39 min
